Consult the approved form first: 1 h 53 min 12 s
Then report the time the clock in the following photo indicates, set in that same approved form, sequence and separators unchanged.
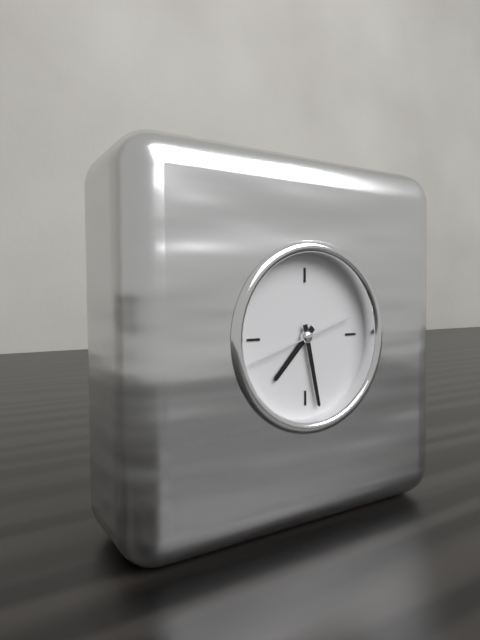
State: 7 h 28 min 42 s
